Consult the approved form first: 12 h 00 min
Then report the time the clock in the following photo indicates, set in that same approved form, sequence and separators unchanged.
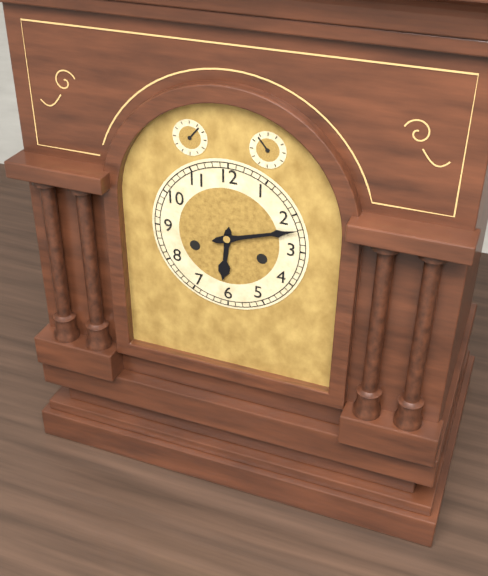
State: 6 h 12 min
